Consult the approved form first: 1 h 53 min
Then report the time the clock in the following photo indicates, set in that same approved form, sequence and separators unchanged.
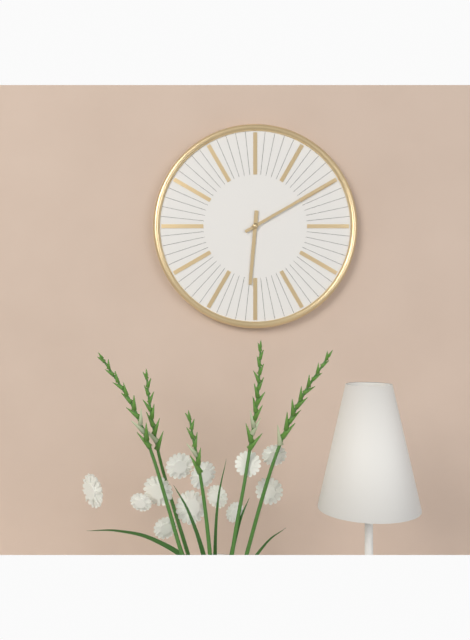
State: 6 h 10 min
